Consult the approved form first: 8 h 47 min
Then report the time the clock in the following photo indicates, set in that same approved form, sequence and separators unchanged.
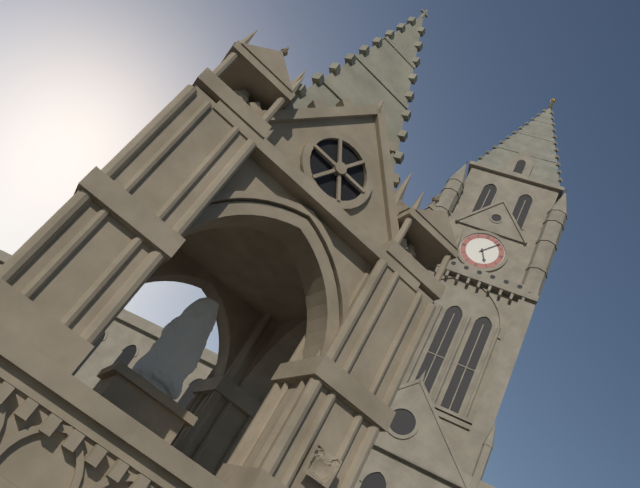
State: 5 h 07 min
